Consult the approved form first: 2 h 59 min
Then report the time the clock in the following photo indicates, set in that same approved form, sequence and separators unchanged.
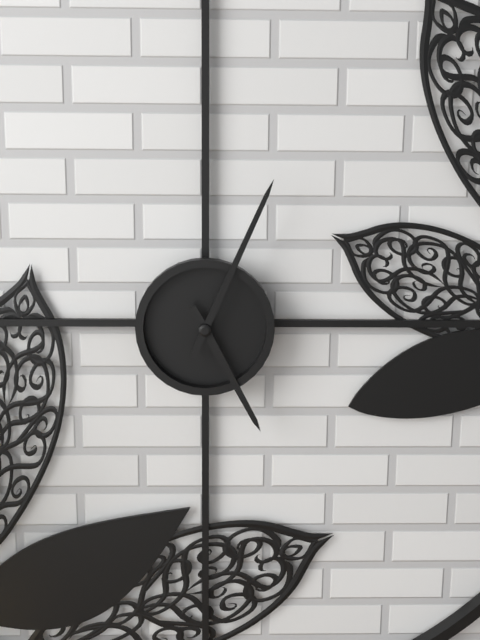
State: 5 h 04 min
